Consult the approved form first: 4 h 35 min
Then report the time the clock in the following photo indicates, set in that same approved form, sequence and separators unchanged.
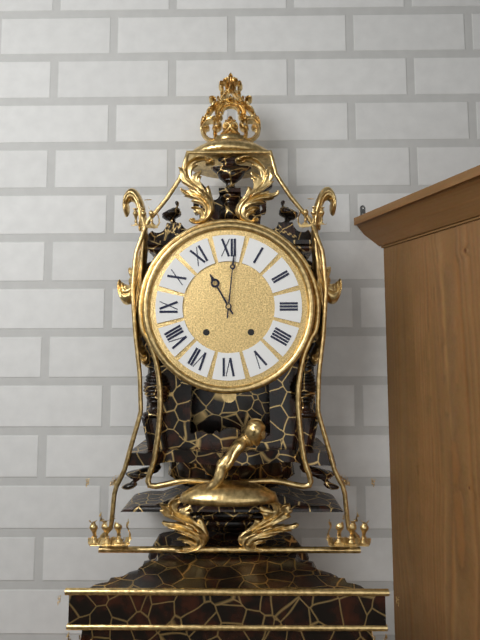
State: 11 h 01 min
